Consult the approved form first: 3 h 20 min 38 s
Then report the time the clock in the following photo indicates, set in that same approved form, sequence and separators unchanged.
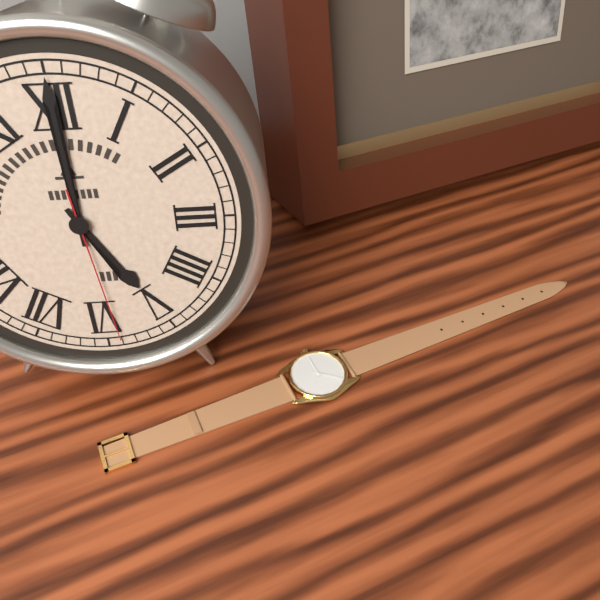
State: 5 h 00 min 29 s
